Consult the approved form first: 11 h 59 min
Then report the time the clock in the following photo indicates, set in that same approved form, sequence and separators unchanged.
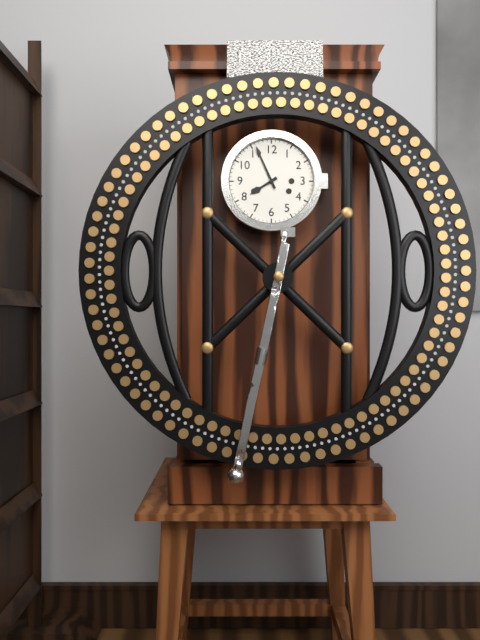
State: 7 h 56 min
